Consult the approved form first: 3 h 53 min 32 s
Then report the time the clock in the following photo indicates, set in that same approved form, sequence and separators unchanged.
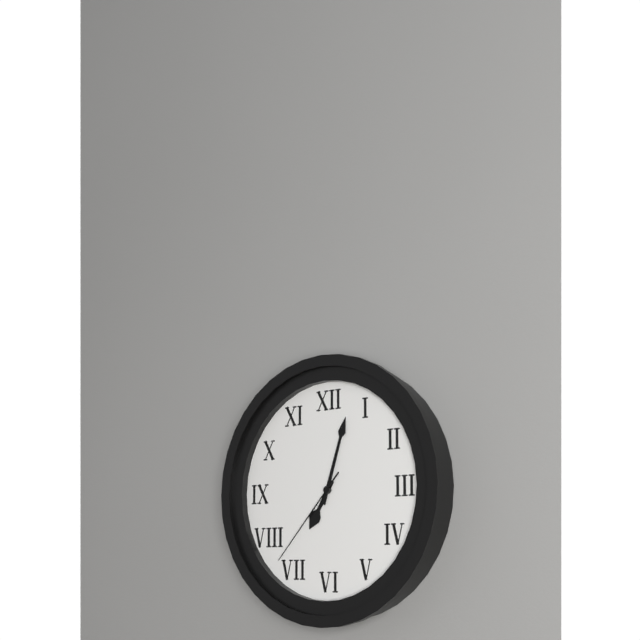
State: 7 h 03 min 37 s
